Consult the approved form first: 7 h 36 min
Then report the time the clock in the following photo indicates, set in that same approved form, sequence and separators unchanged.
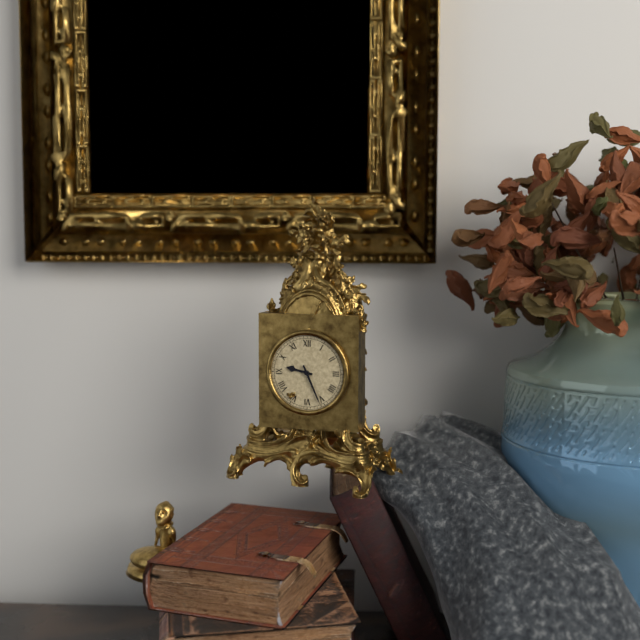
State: 9 h 26 min
